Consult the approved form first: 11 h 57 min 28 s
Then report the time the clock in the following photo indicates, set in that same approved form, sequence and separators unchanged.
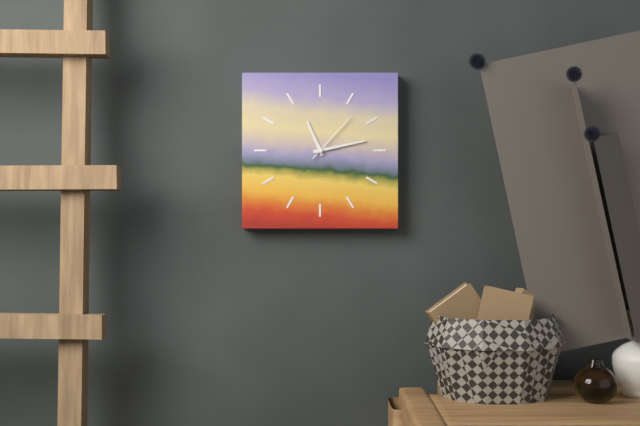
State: 11 h 13 min 07 s
